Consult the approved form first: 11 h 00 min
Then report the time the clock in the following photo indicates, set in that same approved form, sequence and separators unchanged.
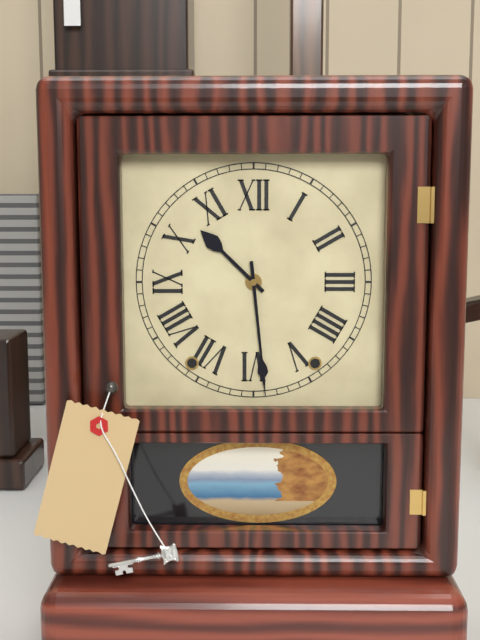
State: 10 h 29 min
